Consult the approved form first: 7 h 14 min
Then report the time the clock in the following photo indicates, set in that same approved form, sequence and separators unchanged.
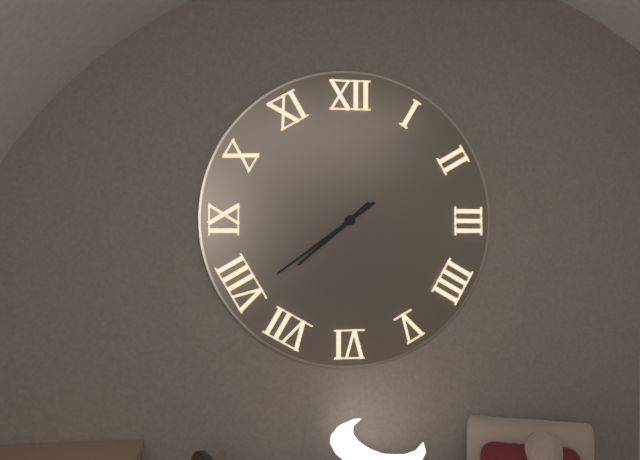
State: 7 h 39 min
